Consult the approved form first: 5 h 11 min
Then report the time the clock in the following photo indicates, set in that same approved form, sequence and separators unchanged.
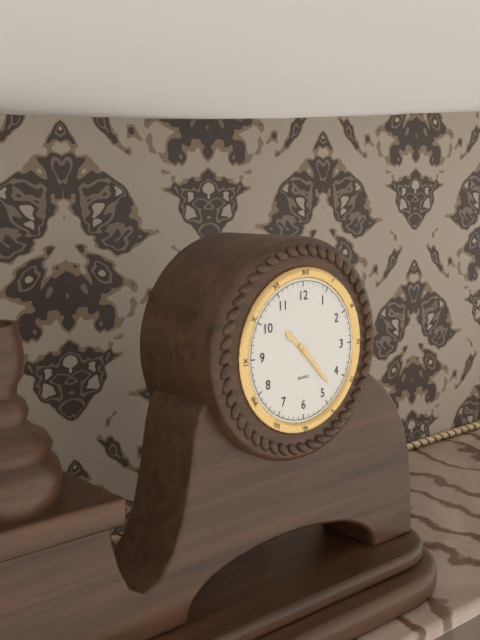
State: 10 h 23 min
